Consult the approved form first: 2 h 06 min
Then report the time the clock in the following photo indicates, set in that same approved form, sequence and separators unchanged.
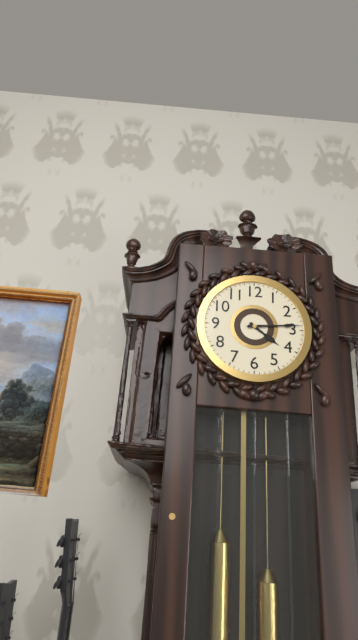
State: 4 h 14 min
